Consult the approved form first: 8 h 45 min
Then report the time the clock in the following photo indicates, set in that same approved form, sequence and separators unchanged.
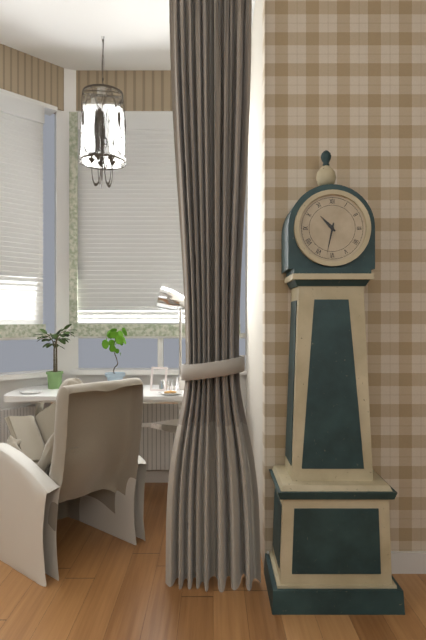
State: 10 h 32 min
